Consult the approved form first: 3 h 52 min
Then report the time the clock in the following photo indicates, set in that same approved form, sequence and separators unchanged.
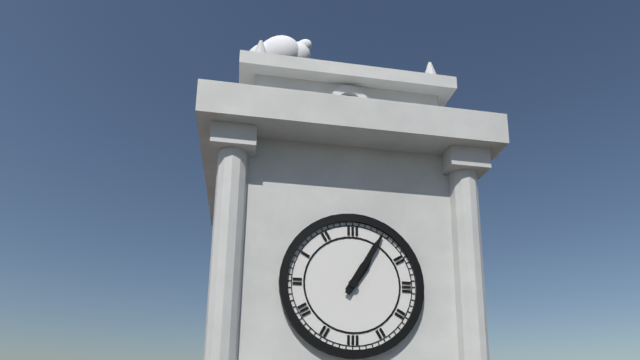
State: 1 h 05 min
